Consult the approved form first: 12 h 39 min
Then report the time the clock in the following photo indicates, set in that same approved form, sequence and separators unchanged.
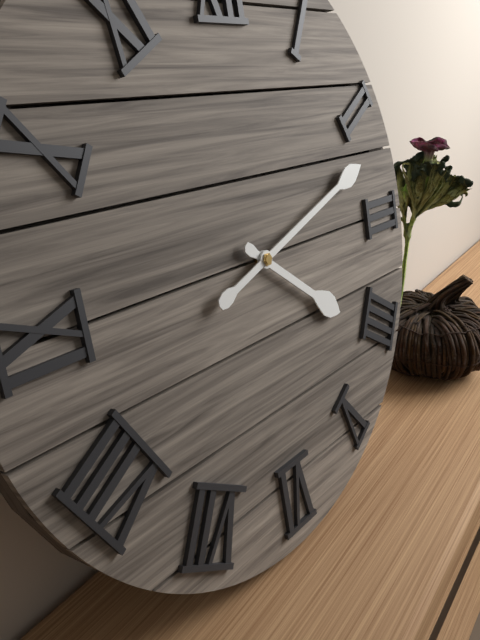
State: 4 h 12 min
